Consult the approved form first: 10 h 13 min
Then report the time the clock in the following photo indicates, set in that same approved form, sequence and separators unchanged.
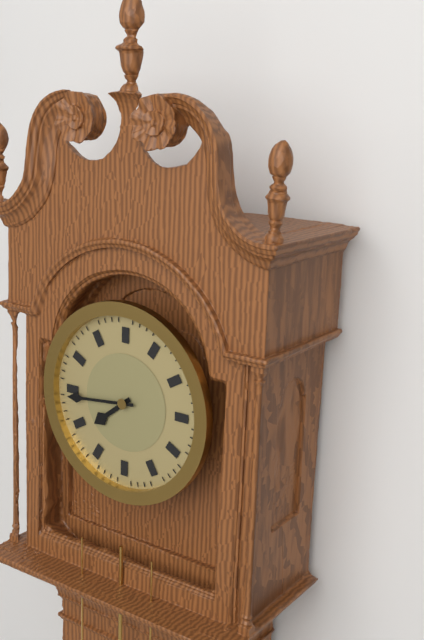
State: 7 h 44 min
